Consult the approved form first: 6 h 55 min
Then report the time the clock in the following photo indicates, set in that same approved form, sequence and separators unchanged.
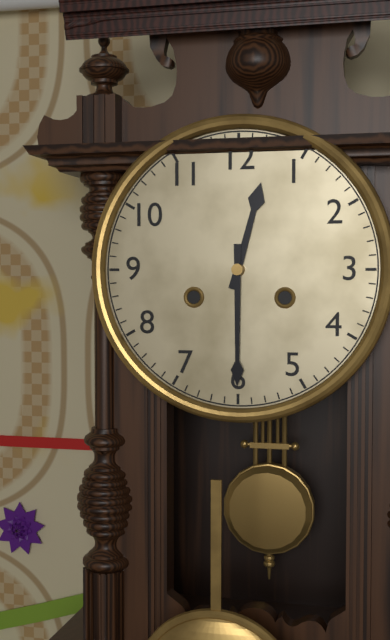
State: 12 h 30 min
